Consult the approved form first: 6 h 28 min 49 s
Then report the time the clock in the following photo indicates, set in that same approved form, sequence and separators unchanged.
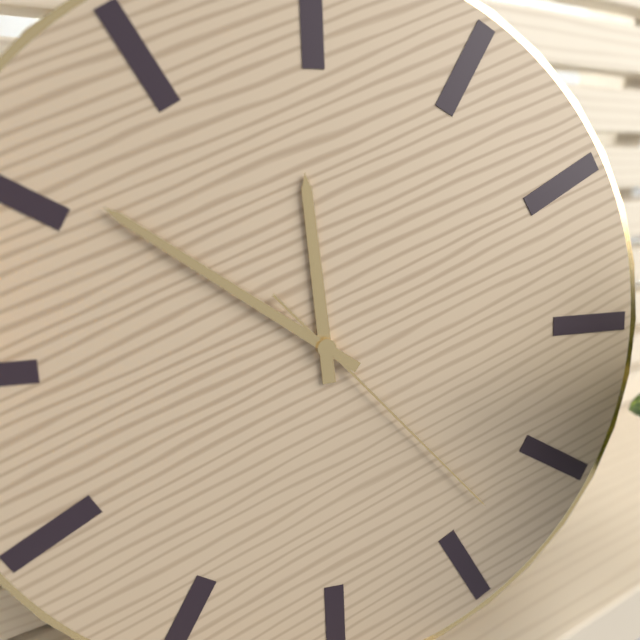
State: 11 h 51 min 23 s
